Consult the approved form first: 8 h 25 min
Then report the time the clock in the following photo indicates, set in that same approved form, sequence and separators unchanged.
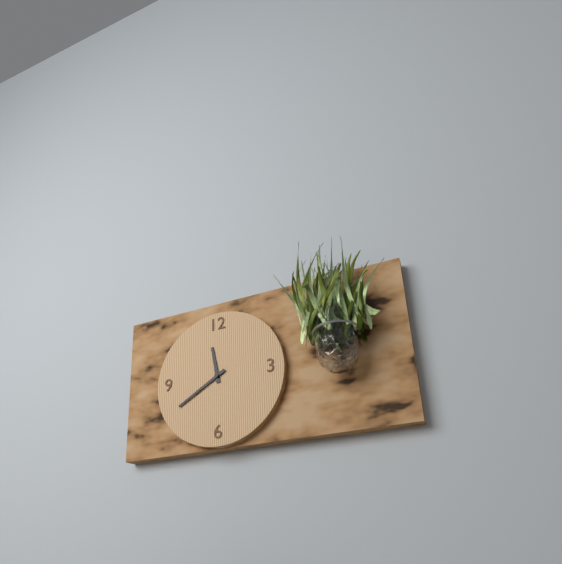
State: 11 h 40 min
